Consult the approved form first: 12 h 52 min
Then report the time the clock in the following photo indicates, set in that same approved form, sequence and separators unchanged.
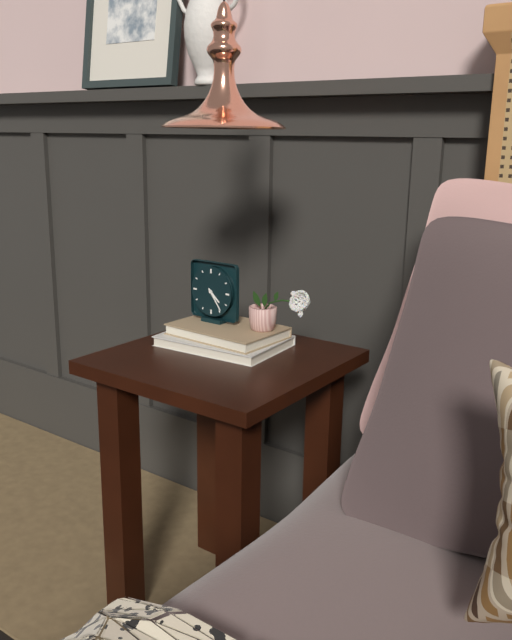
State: 4 h 24 min
